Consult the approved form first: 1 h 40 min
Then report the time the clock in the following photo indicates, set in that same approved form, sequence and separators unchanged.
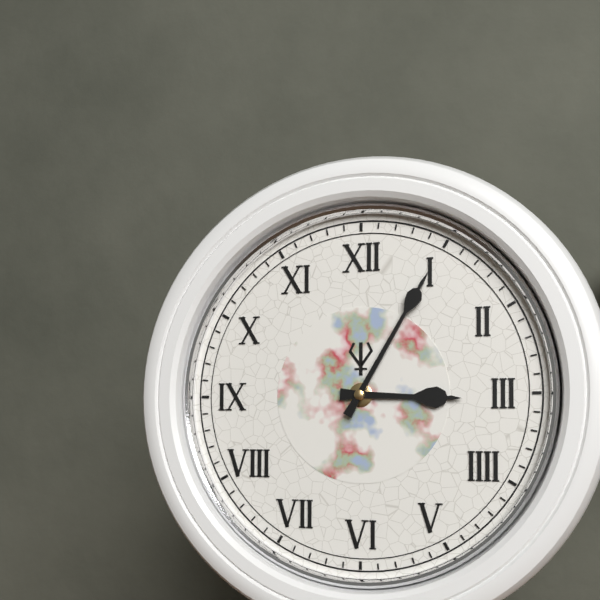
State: 3 h 05 min
